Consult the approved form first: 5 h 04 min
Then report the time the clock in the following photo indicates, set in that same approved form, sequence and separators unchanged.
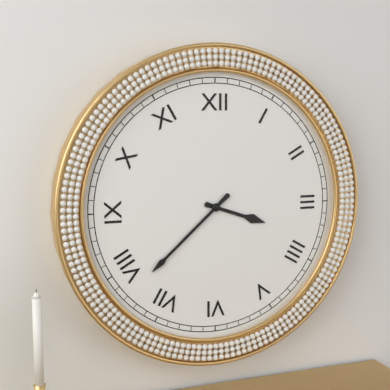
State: 3 h 38 min
